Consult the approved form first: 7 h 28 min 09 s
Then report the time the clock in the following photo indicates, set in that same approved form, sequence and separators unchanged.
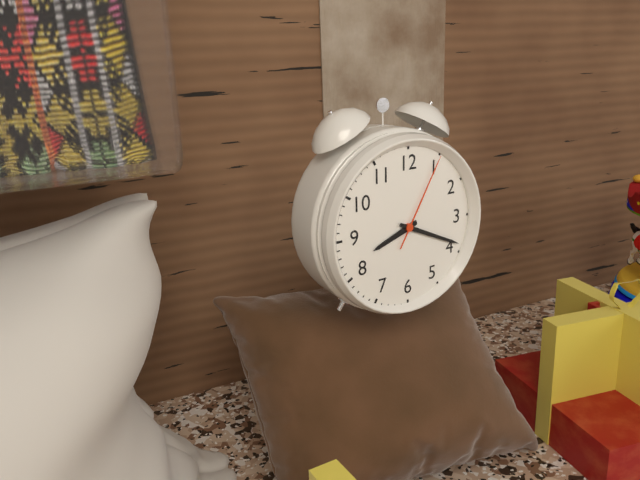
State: 8 h 19 min 05 s
